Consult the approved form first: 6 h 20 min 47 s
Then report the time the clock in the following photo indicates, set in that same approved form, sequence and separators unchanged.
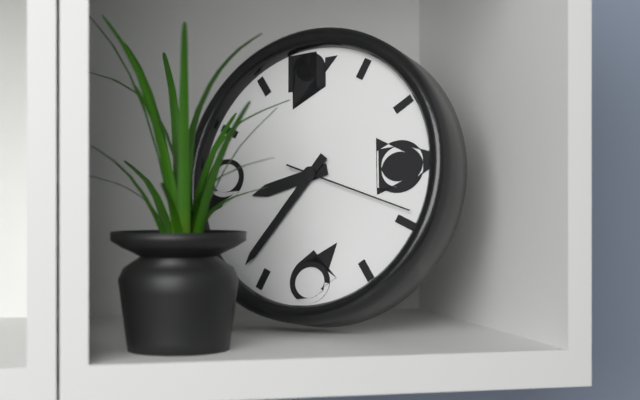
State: 8 h 37 min 19 s
